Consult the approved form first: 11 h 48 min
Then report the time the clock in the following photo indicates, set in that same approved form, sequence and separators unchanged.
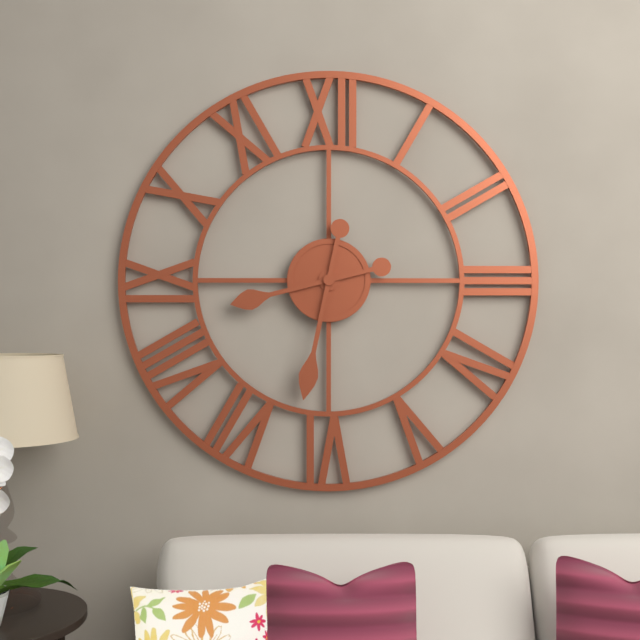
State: 8 h 32 min
